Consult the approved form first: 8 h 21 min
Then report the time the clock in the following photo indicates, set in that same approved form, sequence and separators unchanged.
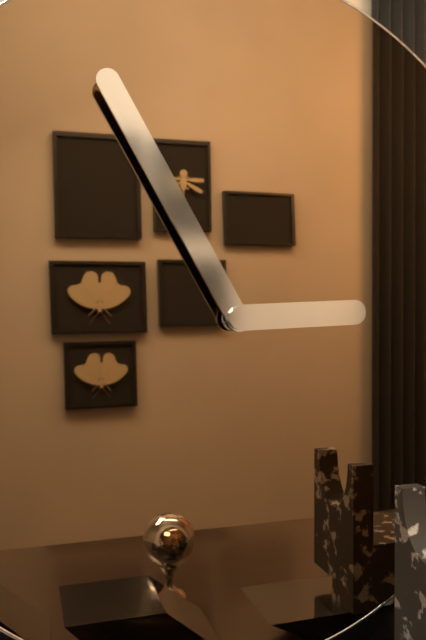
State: 2 h 55 min
